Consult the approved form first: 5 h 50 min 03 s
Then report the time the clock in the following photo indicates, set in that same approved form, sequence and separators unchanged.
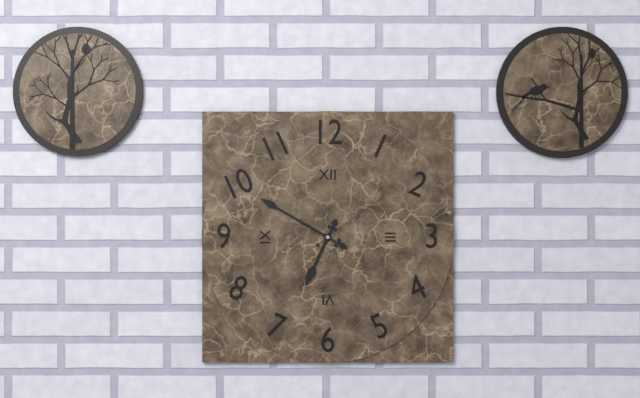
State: 6 h 50 min 09 s
